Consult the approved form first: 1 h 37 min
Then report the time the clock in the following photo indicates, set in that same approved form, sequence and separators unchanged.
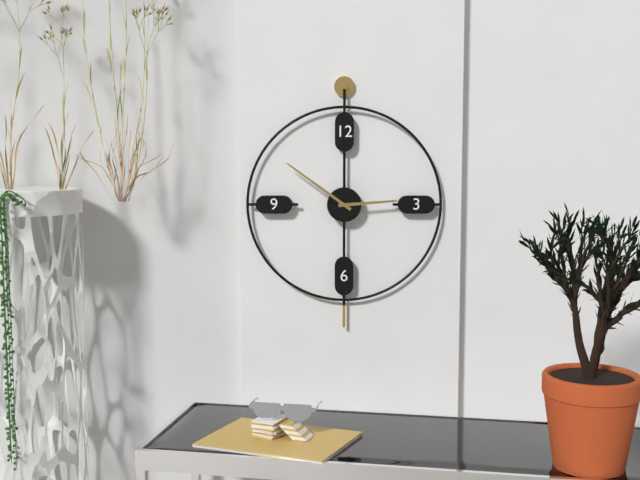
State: 2 h 51 min
